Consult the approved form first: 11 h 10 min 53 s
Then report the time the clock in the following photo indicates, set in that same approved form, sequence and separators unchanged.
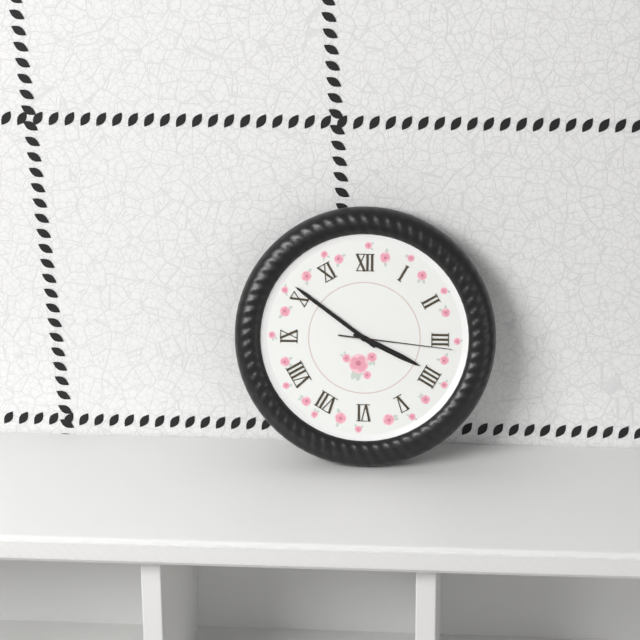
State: 3 h 51 min 16 s
